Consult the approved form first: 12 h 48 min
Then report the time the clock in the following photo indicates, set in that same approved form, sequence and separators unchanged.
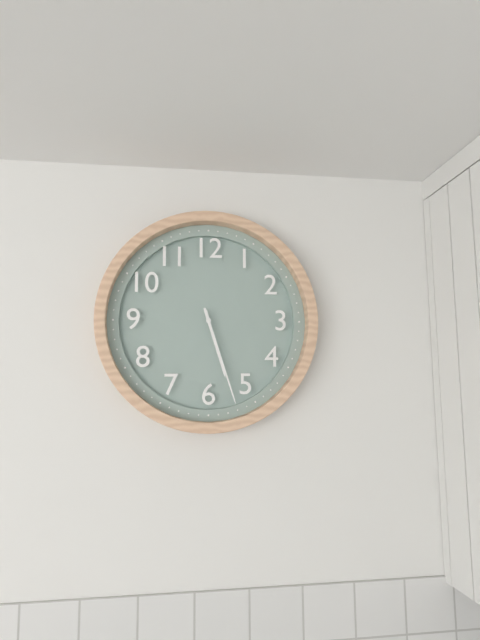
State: 5 h 27 min
